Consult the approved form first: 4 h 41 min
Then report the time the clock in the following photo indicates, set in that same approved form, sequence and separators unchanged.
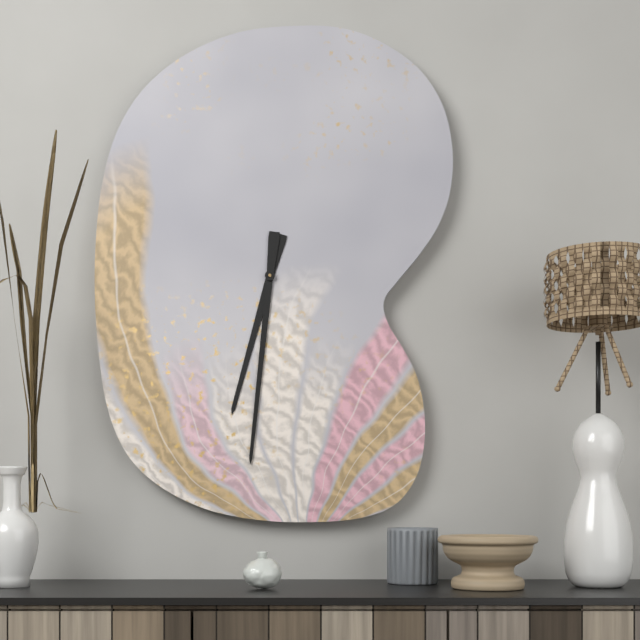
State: 6 h 31 min
